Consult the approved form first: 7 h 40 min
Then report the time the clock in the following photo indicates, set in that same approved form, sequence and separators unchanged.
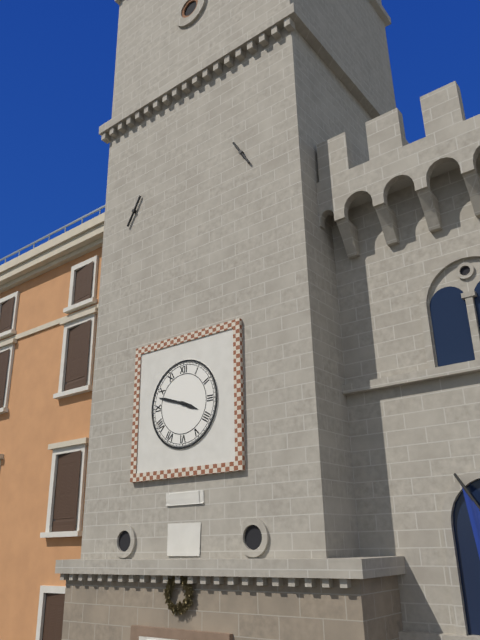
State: 3 h 48 min
